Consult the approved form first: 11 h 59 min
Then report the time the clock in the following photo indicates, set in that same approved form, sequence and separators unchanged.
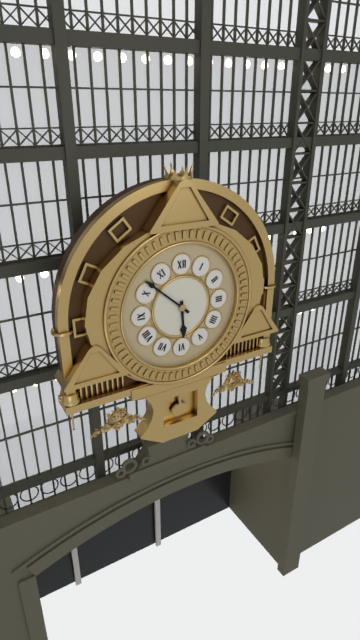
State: 5 h 52 min
